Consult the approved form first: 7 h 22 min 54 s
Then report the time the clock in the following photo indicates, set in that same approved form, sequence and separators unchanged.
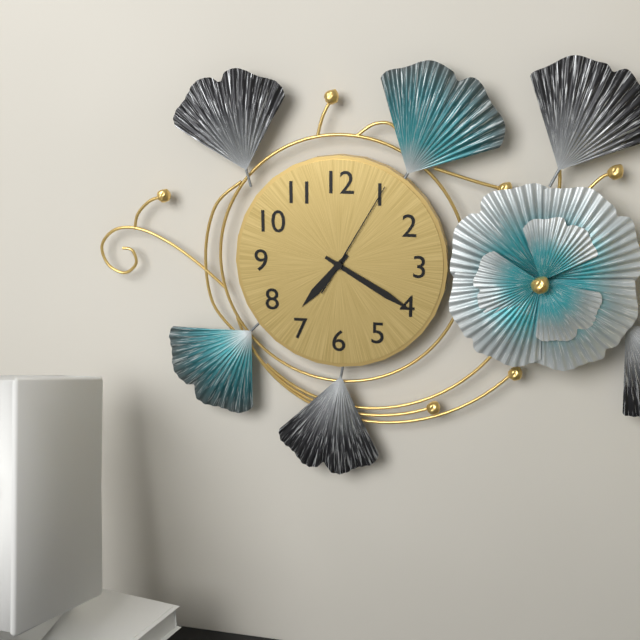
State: 7 h 20 min 05 s
